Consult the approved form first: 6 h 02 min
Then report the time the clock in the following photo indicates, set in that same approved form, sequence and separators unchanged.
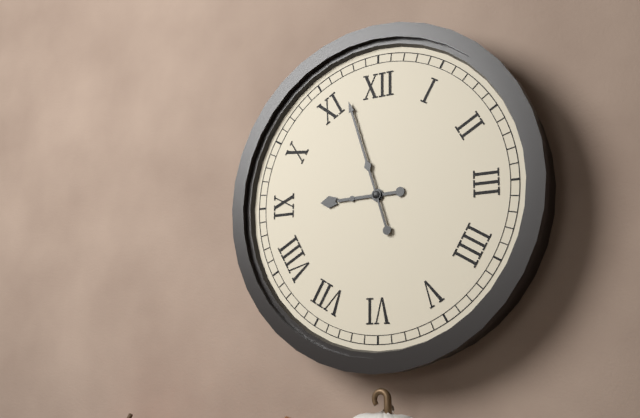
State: 8 h 57 min
